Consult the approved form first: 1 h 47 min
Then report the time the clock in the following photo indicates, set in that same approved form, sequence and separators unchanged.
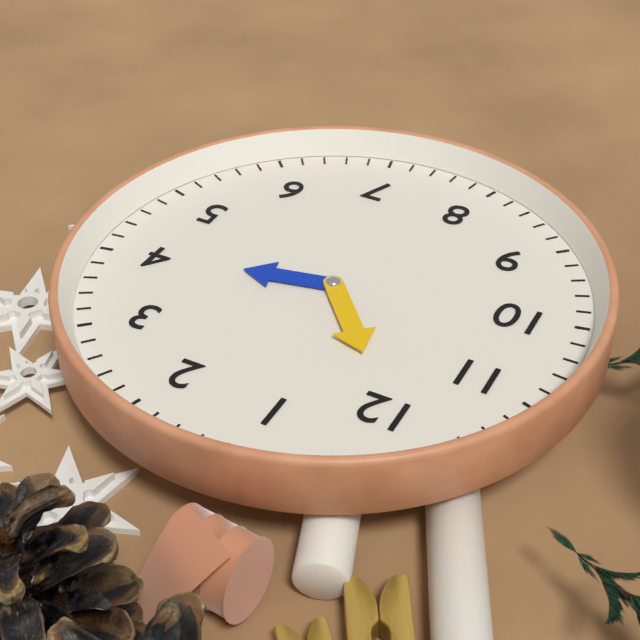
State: 4 h 00 min
